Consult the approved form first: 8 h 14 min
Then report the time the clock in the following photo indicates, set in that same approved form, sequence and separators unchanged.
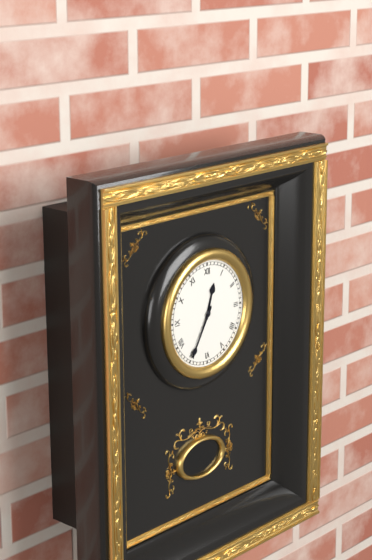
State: 12 h 35 min
